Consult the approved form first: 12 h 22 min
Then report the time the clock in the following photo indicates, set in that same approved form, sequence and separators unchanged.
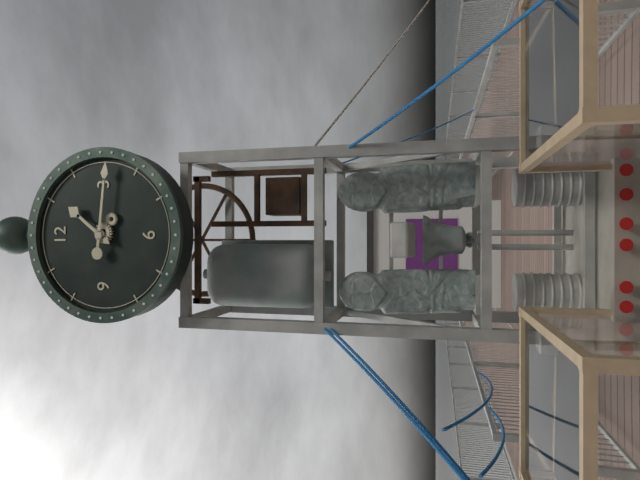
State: 1 h 16 min
